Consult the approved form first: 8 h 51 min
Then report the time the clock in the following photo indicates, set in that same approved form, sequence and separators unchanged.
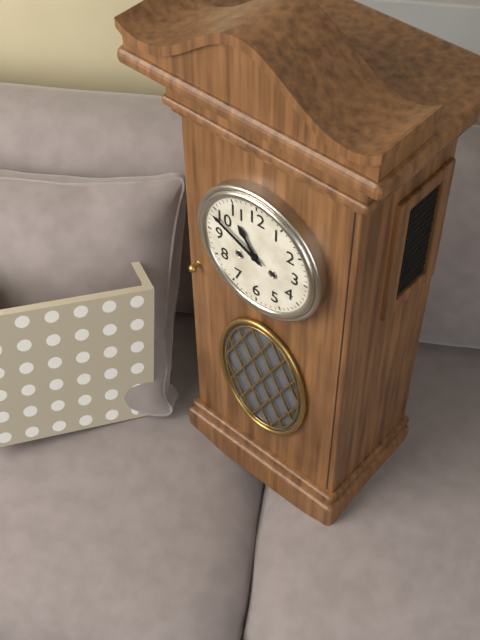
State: 10 h 49 min
